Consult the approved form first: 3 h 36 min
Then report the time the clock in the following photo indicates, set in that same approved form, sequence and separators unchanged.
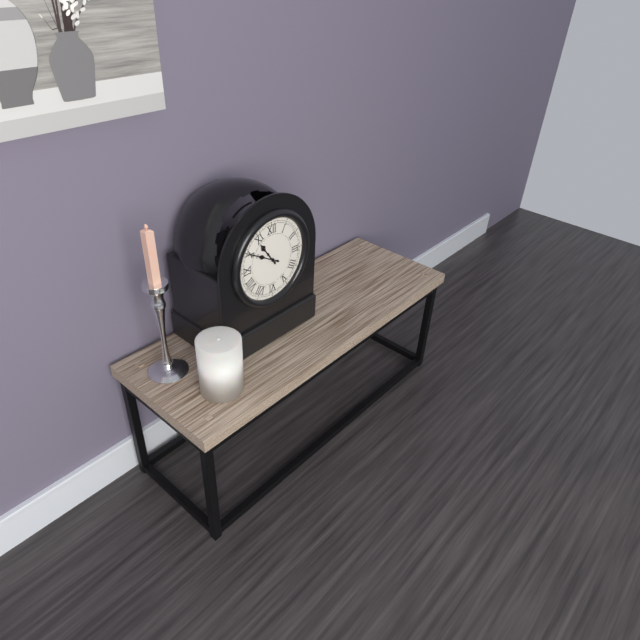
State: 10 h 50 min
